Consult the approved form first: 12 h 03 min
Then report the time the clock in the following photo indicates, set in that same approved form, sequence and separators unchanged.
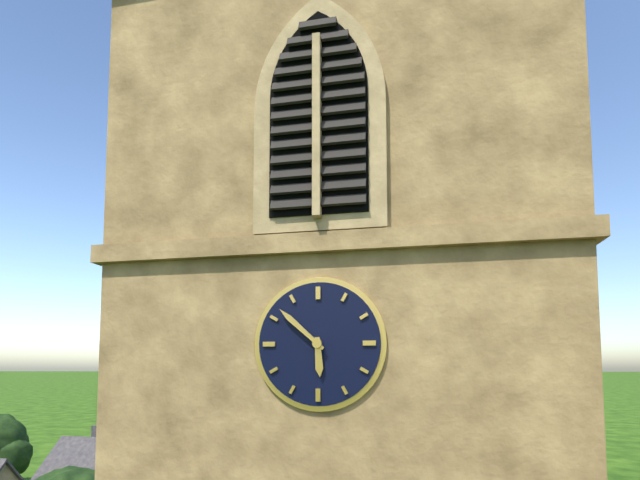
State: 5 h 52 min
